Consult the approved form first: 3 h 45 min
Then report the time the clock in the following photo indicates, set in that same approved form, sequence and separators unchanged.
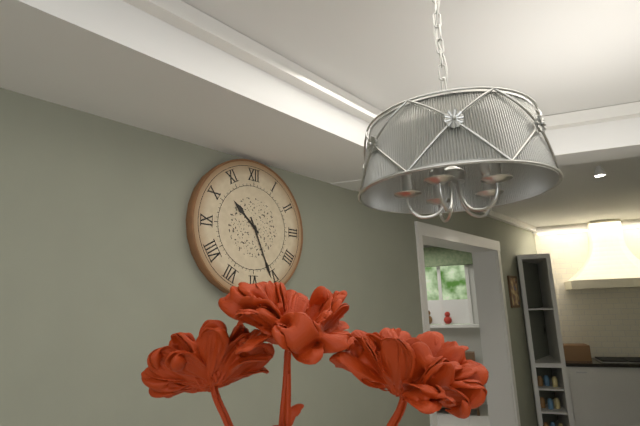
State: 10 h 26 min
